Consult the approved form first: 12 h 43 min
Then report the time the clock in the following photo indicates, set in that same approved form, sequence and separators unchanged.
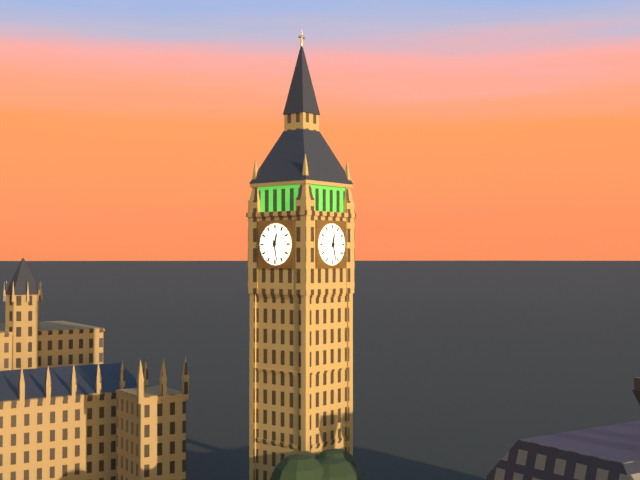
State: 12 h 28 min
